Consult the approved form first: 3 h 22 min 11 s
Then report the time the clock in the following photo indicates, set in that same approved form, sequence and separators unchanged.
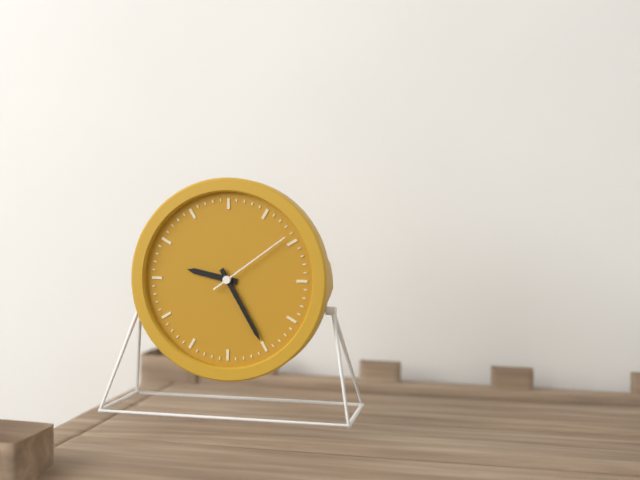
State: 9 h 25 min 09 s
